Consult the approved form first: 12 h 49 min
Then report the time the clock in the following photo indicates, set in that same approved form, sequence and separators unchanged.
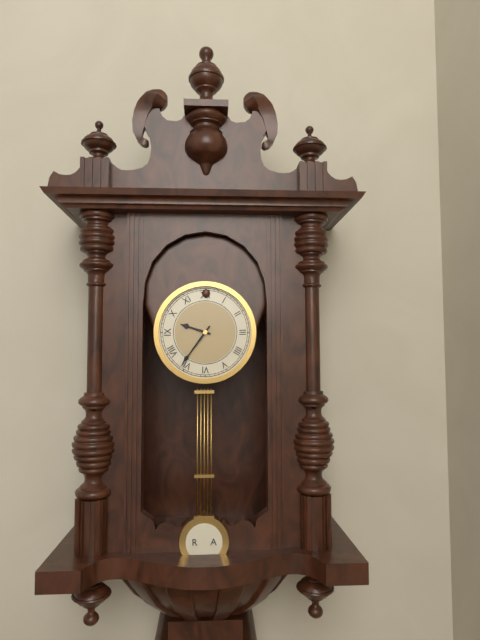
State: 9 h 36 min
